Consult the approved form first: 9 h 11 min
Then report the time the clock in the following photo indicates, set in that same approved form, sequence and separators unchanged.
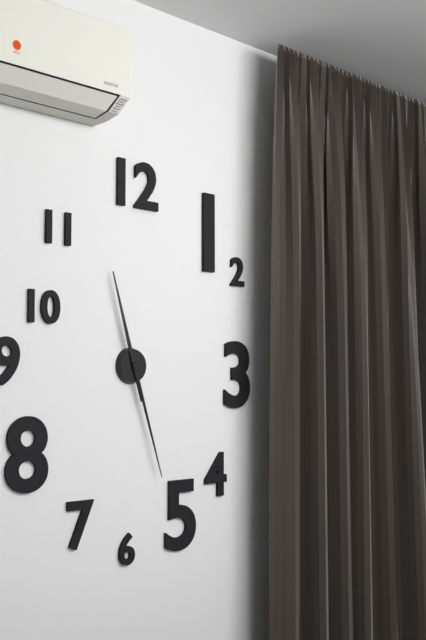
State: 11 h 27 min
